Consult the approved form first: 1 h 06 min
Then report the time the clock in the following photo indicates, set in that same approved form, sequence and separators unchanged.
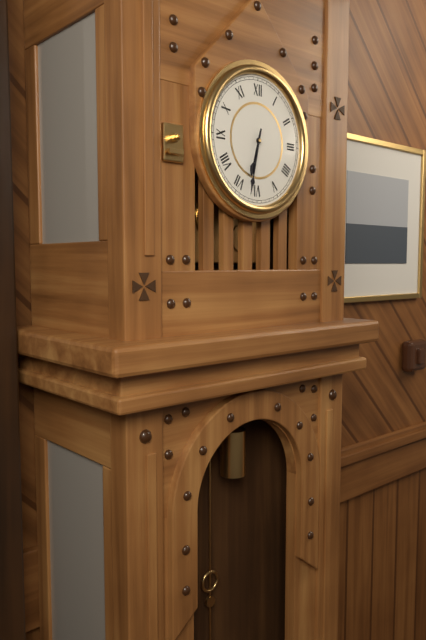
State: 6 h 32 min
